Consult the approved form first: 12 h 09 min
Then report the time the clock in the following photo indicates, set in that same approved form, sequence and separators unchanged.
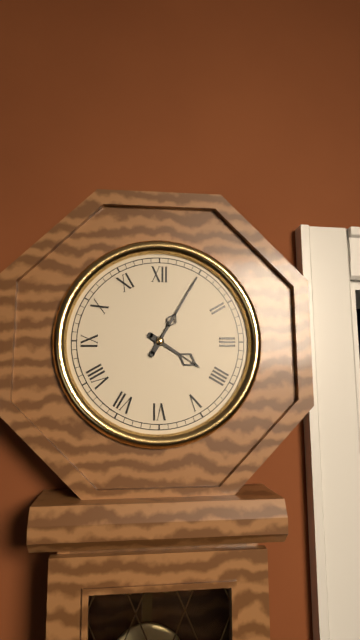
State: 4 h 05 min
